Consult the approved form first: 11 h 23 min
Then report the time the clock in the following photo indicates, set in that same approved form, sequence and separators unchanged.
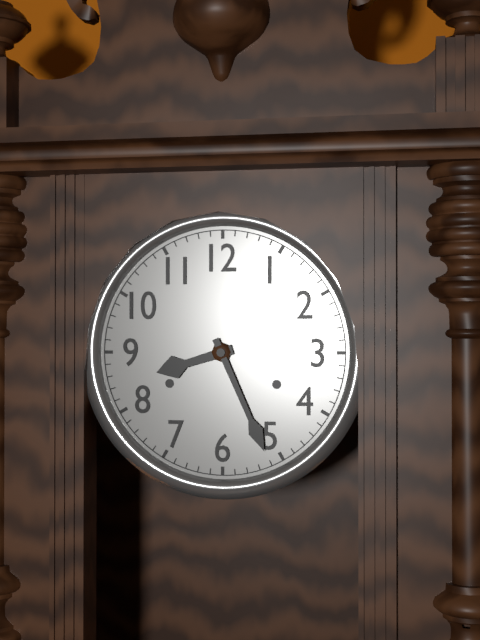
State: 8 h 26 min
